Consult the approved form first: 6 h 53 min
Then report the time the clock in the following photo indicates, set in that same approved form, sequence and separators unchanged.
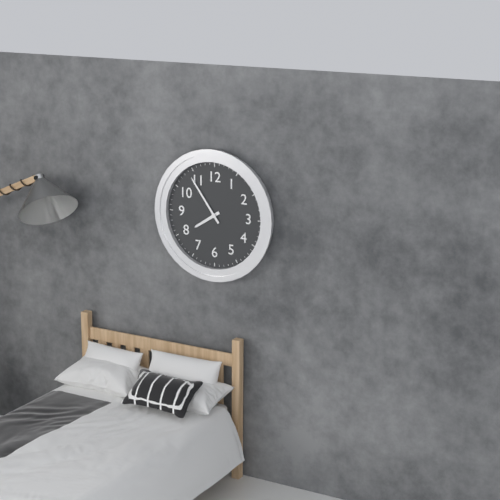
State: 7 h 54 min
